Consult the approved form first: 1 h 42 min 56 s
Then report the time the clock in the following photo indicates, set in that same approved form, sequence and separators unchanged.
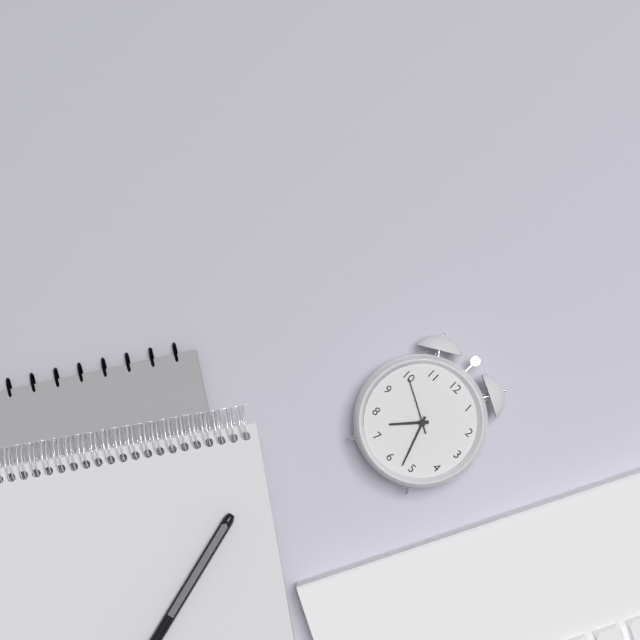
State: 7 h 27 min 50 s
